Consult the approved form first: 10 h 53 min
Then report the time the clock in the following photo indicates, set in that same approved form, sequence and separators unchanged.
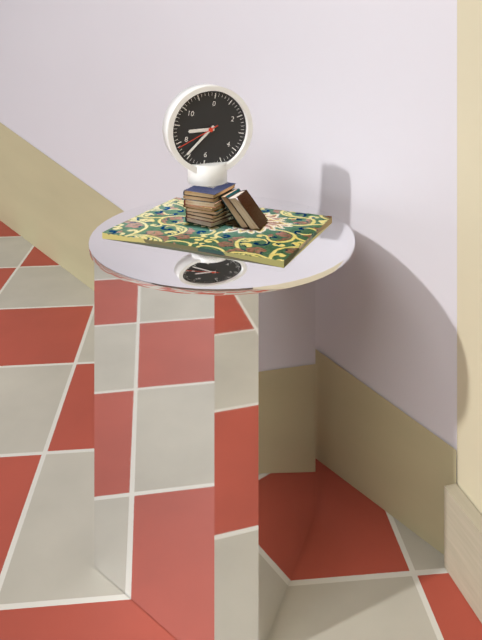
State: 8 h 36 min
